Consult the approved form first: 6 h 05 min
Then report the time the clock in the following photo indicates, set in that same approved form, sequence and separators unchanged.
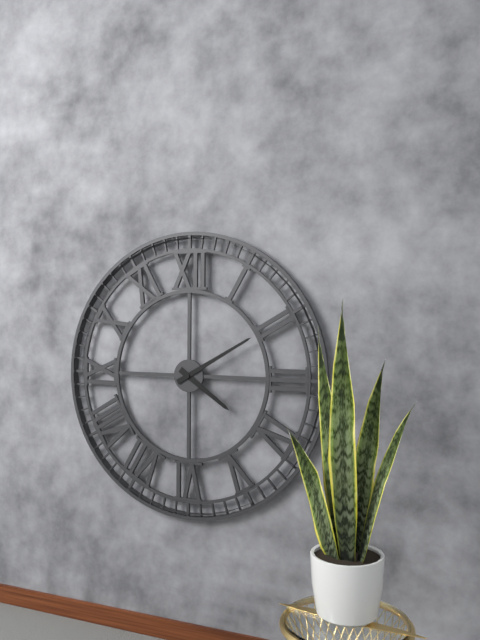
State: 4 h 10 min
